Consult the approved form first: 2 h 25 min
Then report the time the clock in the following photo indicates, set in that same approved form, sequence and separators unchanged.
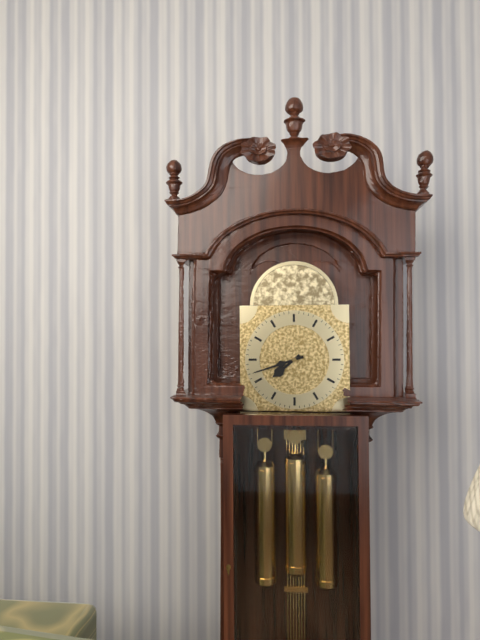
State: 7 h 42 min
